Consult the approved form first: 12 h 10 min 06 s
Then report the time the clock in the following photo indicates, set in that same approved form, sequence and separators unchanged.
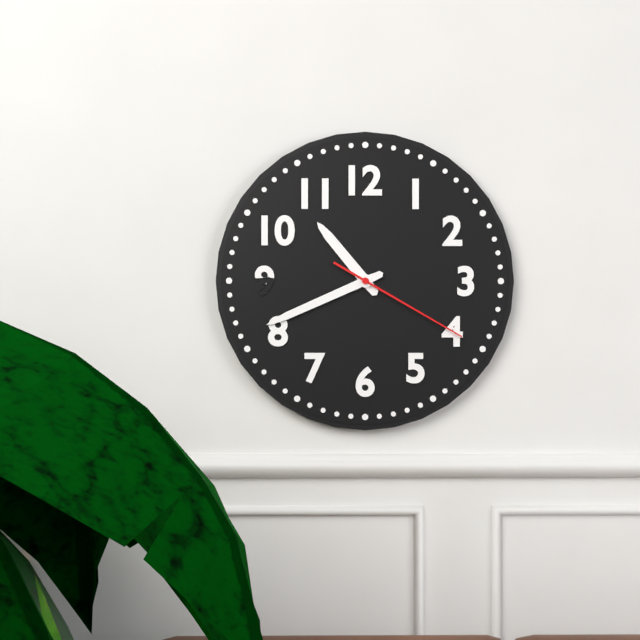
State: 10 h 41 min 20 s
